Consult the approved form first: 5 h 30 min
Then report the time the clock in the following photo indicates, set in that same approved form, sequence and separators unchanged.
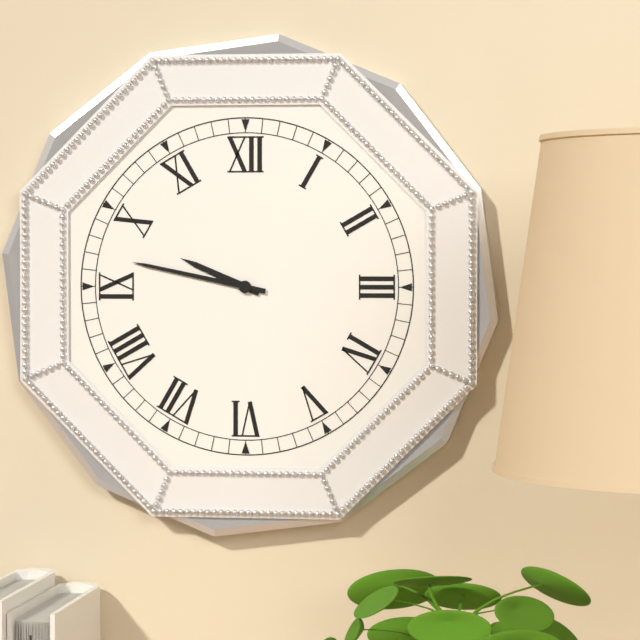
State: 9 h 47 min
